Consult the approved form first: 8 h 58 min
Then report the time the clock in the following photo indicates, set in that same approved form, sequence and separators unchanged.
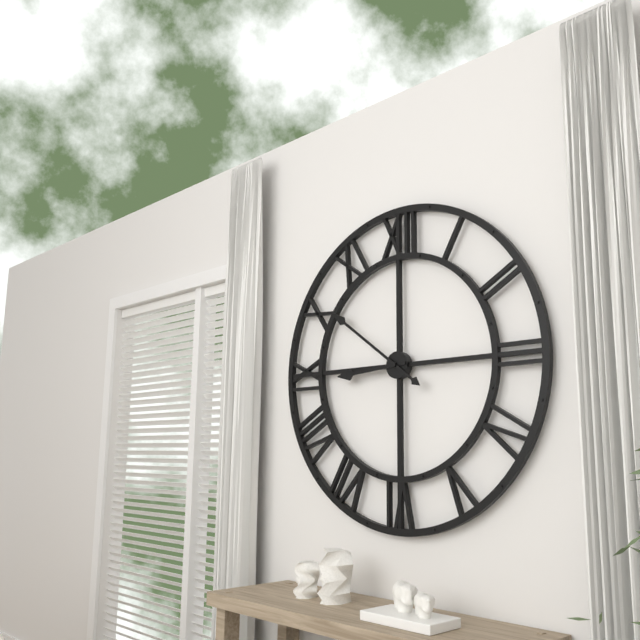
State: 8 h 51 min
